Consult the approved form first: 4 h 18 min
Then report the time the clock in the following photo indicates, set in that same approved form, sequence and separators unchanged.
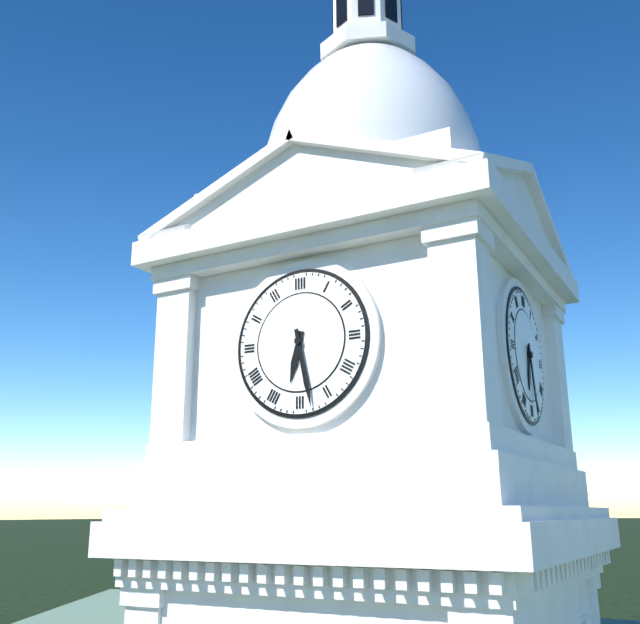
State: 6 h 28 min
